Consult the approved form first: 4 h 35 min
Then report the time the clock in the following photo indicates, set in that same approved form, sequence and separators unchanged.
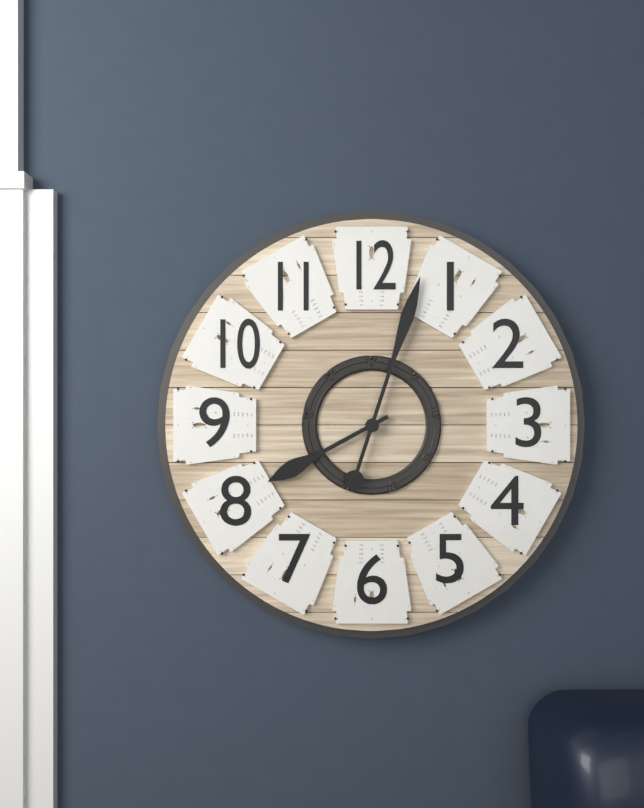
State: 8 h 03 min
